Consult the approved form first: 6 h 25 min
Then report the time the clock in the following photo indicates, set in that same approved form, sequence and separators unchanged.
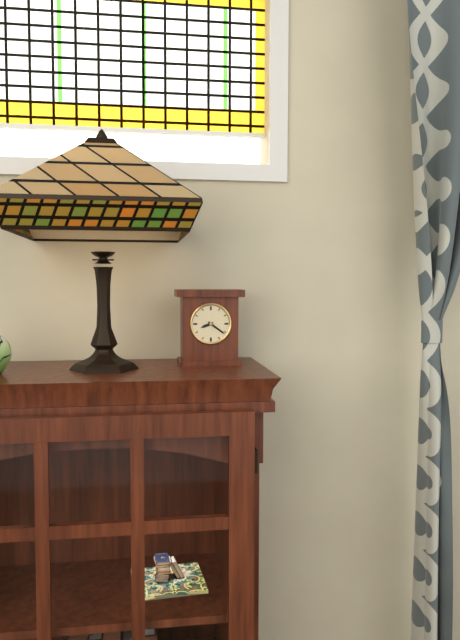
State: 8 h 21 min
